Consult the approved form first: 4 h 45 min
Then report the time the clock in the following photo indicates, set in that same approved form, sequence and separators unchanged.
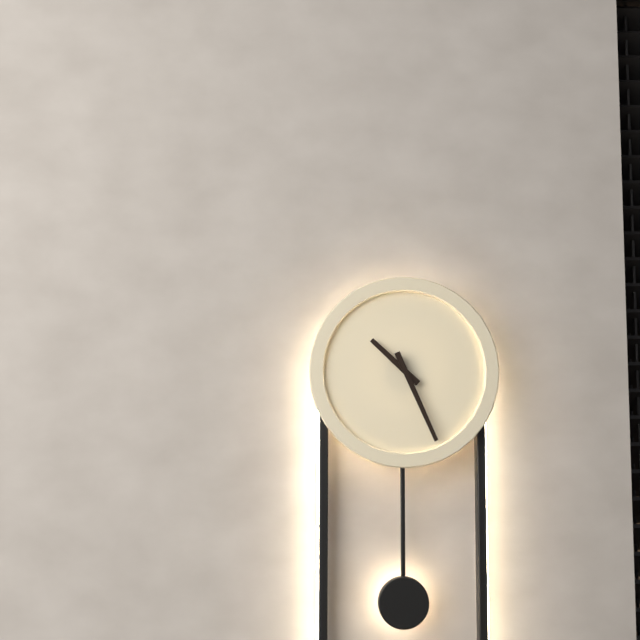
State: 10 h 26 min
